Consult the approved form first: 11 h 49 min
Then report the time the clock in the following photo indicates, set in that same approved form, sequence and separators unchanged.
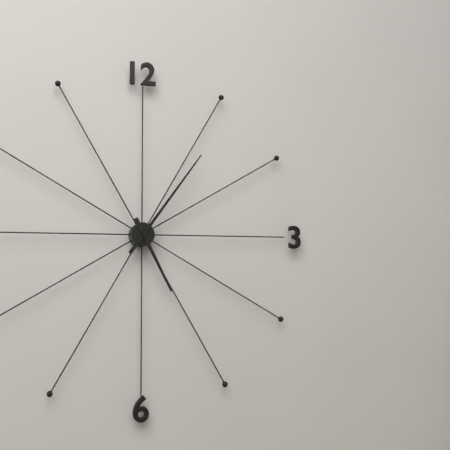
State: 5 h 06 min
